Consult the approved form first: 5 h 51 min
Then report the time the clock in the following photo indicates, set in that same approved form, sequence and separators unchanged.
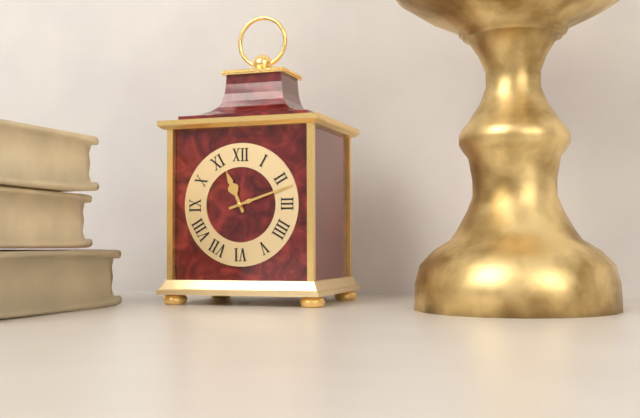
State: 11 h 12 min
